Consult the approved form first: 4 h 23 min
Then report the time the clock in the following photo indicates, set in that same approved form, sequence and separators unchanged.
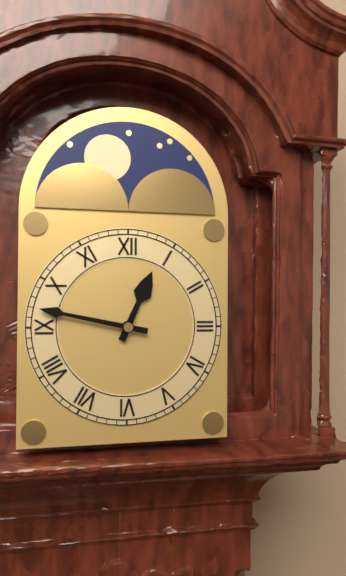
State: 12 h 47 min
